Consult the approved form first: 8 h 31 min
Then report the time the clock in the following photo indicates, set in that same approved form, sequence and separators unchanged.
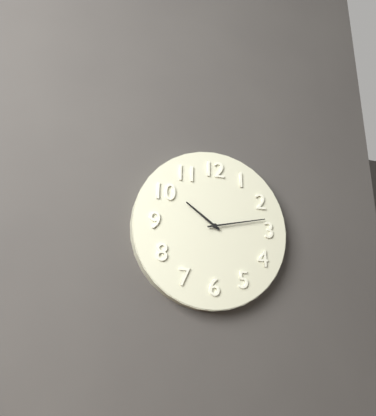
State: 10 h 13 min
